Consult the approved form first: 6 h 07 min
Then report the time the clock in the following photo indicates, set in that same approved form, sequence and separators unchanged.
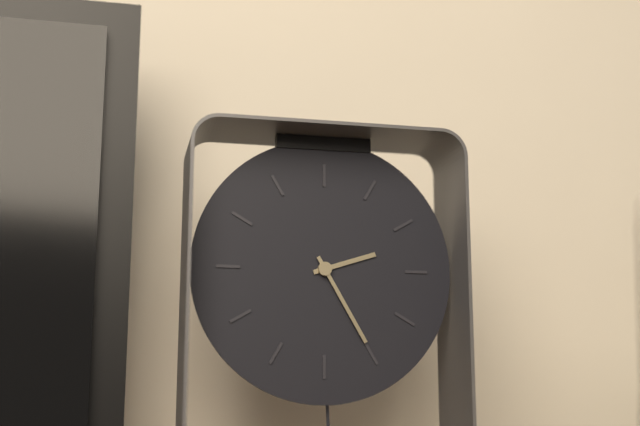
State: 2 h 25 min
